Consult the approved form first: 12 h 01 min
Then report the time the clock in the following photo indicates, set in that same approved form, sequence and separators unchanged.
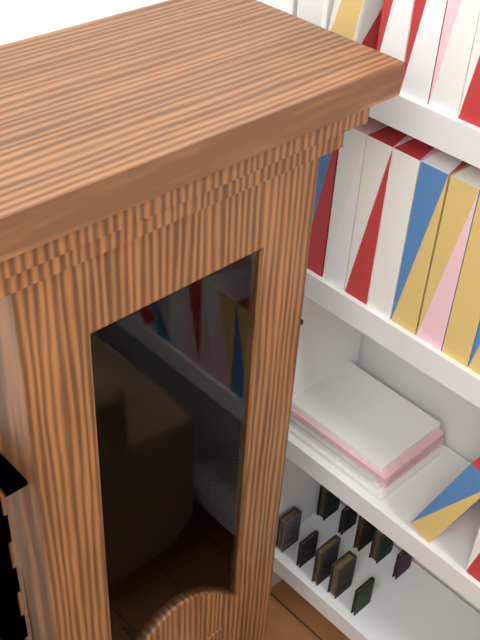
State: 1 h 44 min
